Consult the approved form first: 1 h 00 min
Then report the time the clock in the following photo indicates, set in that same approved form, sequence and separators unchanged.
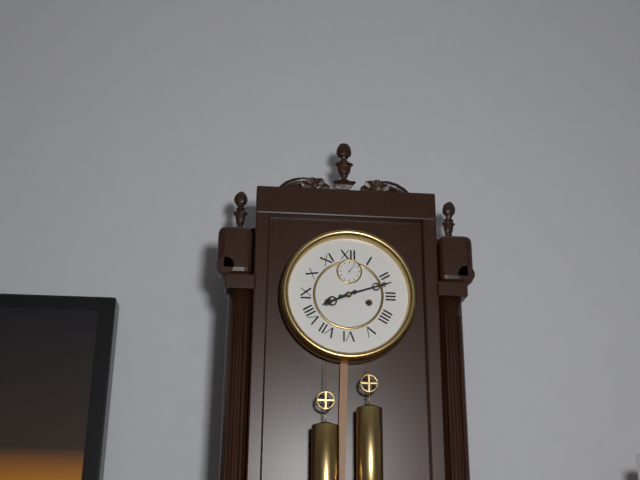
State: 8 h 12 min
